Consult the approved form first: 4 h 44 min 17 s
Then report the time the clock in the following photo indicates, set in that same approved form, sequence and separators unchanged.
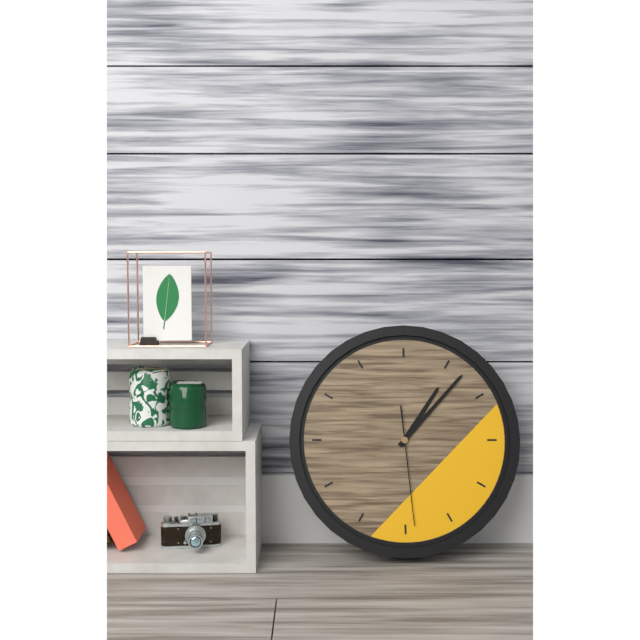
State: 1 h 07 min 29 s
